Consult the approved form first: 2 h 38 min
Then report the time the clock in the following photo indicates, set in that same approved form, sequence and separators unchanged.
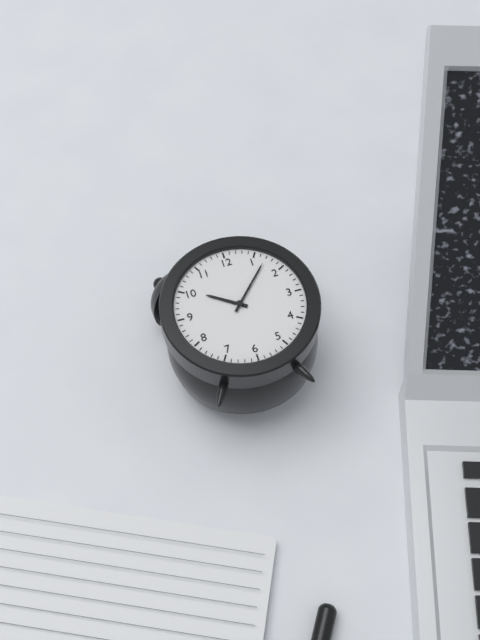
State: 10 h 07 min
